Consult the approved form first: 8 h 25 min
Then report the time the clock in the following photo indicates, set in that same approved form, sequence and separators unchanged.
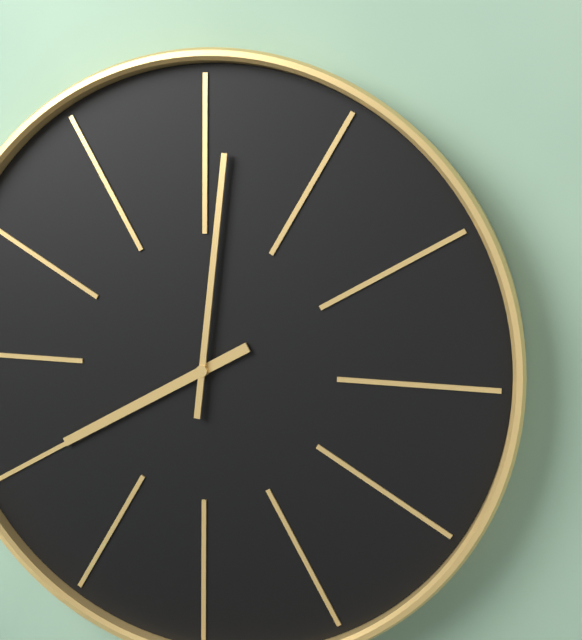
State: 8 h 01 min
